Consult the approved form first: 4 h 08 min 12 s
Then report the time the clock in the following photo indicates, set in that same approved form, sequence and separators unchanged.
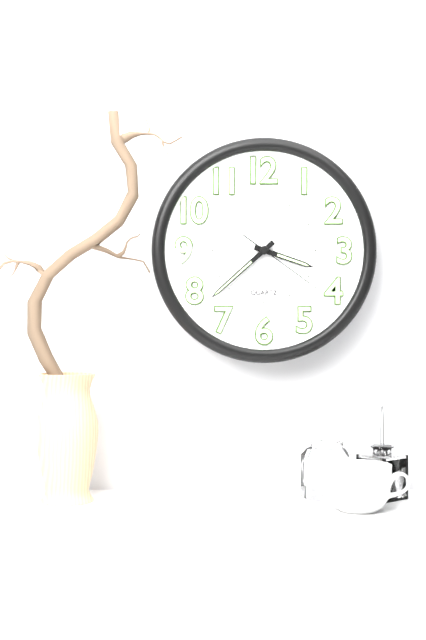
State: 3 h 38 min 21 s
